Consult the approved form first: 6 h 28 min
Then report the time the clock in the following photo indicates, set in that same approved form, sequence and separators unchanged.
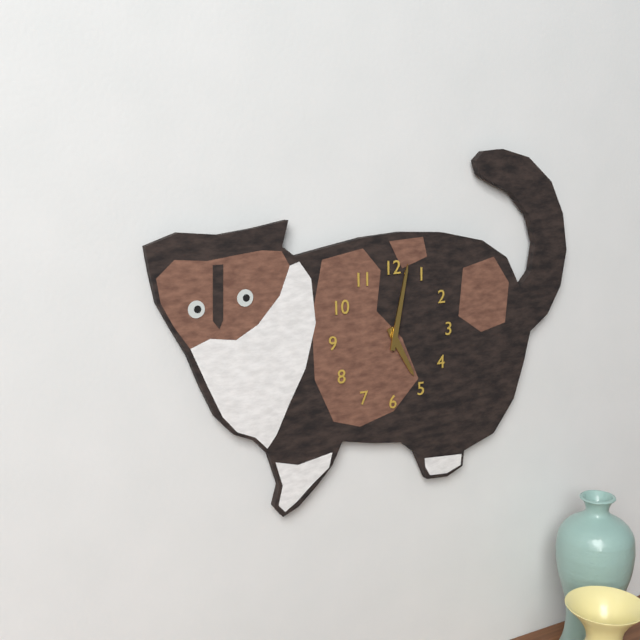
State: 5 h 02 min
